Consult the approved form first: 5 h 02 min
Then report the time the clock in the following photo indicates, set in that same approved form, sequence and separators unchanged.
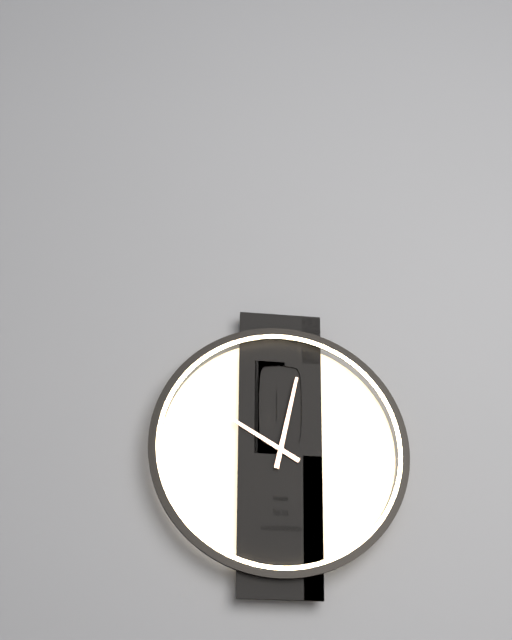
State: 10 h 02 min
